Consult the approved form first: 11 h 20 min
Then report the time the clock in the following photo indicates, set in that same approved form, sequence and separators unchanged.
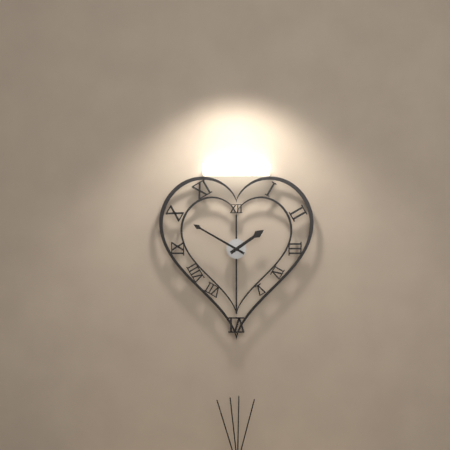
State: 1 h 50 min
